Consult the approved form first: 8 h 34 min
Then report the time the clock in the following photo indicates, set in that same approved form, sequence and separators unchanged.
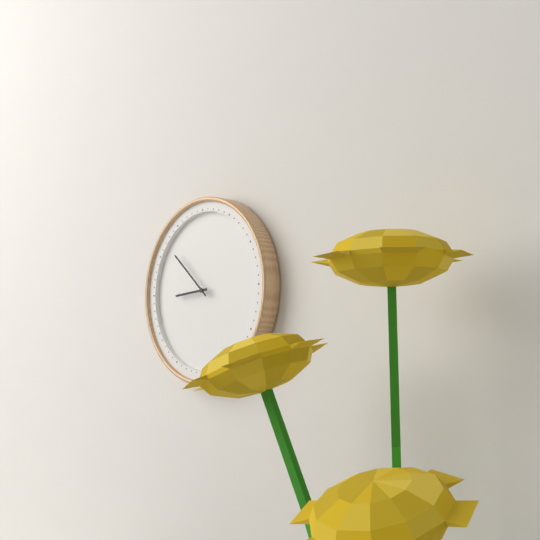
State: 8 h 52 min
